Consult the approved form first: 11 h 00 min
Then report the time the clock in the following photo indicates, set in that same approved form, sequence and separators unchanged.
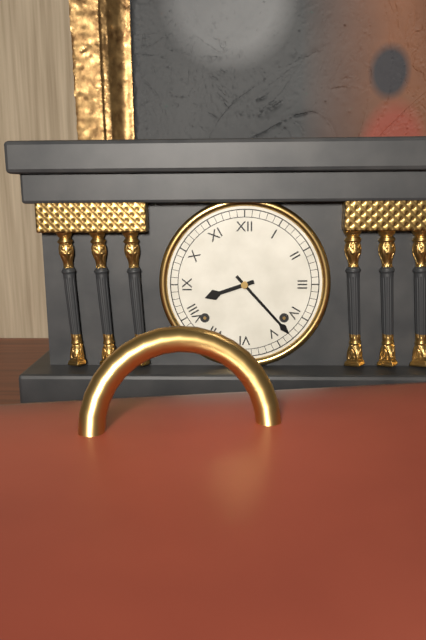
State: 8 h 23 min
